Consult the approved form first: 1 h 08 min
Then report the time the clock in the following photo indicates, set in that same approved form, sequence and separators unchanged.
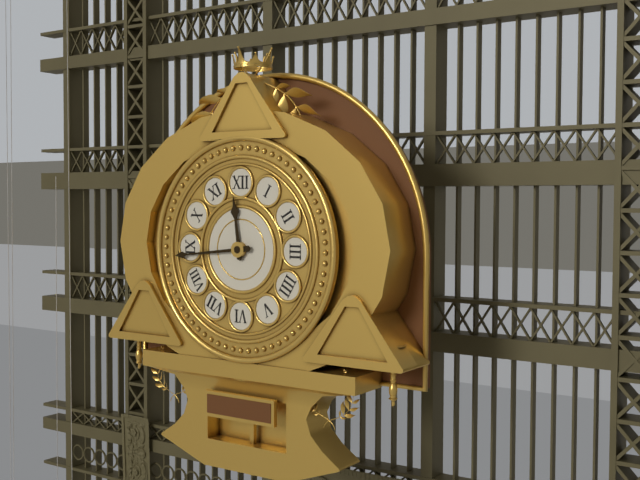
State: 11 h 44 min
